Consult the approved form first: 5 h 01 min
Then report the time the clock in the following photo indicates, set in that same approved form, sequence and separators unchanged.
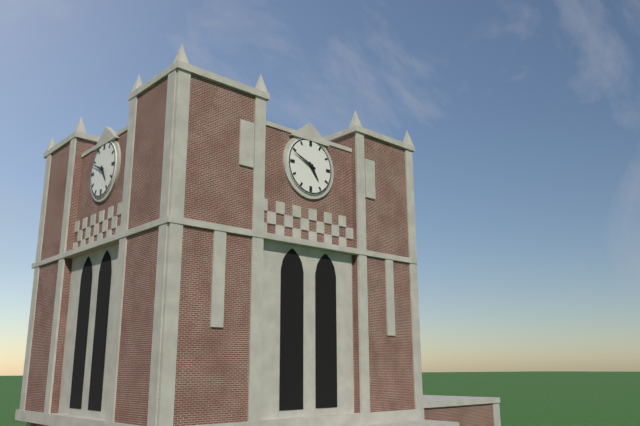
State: 4 h 49 min
